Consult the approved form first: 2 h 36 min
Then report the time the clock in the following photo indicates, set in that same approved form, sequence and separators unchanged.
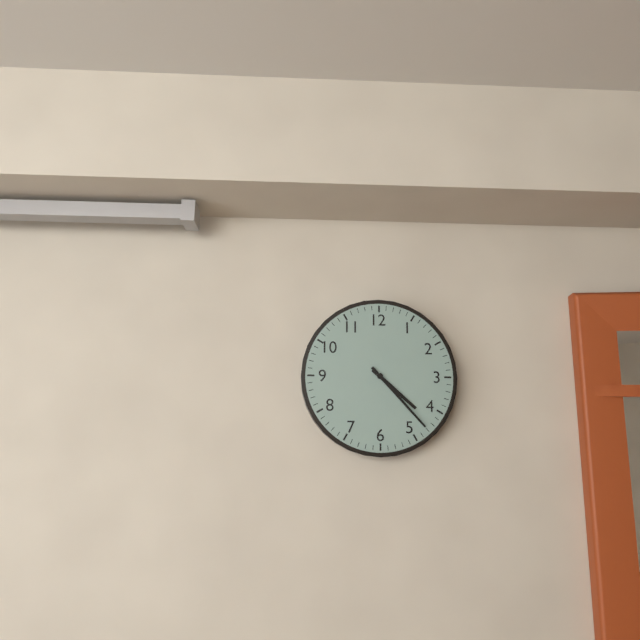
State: 4 h 23 min
